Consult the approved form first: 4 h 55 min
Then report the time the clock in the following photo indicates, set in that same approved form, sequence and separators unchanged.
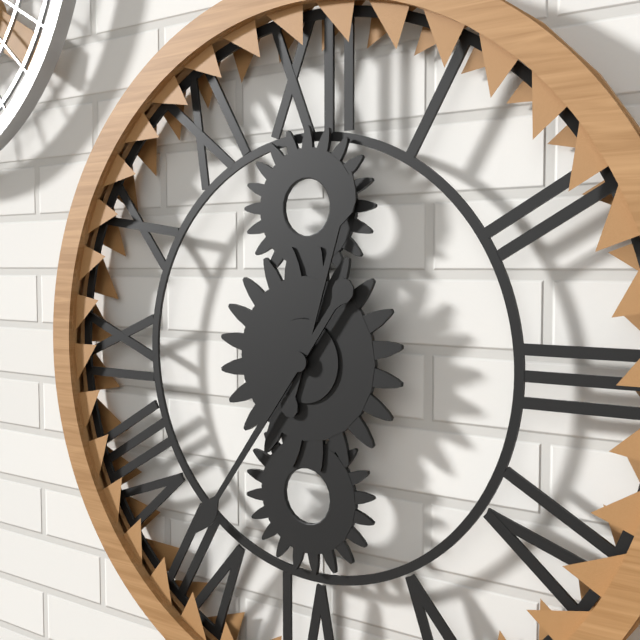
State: 12 h 36 min
